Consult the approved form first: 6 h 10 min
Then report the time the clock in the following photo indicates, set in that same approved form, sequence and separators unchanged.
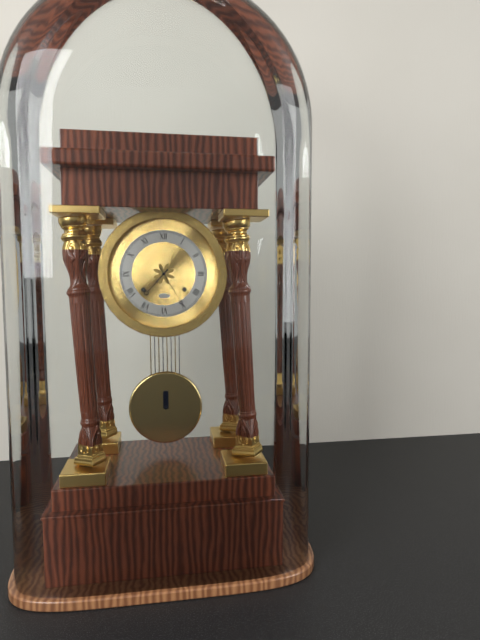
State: 7 h 25 min
